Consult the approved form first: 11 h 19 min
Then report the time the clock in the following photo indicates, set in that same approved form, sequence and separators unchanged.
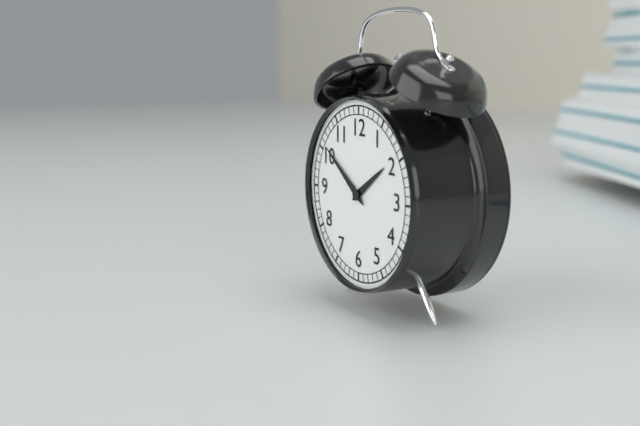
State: 1 h 51 min
